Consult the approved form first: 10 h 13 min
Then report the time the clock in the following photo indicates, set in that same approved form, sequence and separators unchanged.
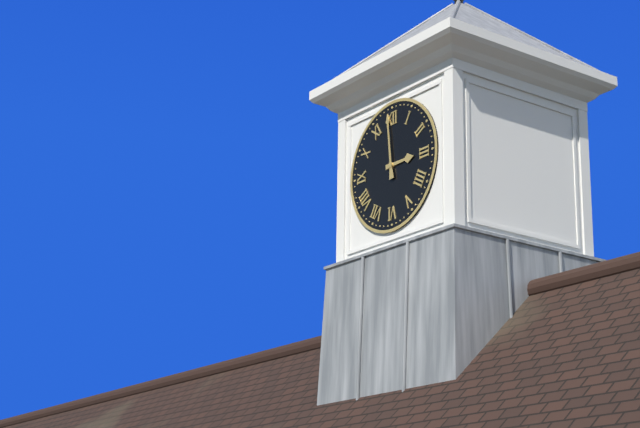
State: 2 h 59 min
